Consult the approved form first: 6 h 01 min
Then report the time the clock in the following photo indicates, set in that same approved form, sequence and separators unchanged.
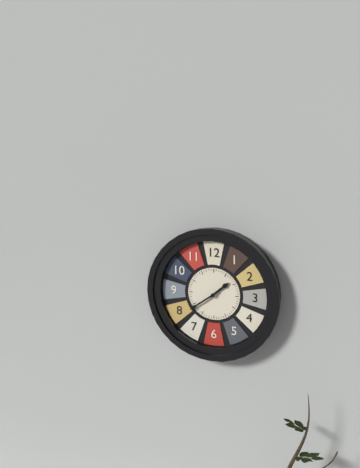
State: 1 h 39 min
